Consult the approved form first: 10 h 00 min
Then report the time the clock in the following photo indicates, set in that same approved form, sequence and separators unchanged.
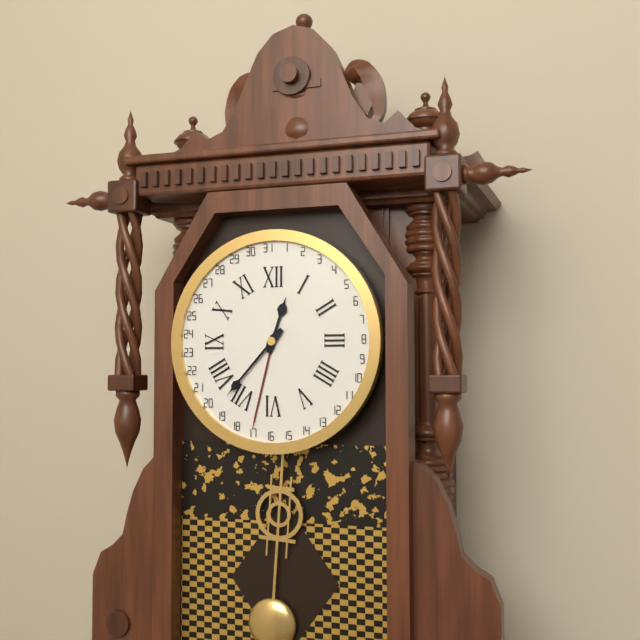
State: 12 h 37 min
